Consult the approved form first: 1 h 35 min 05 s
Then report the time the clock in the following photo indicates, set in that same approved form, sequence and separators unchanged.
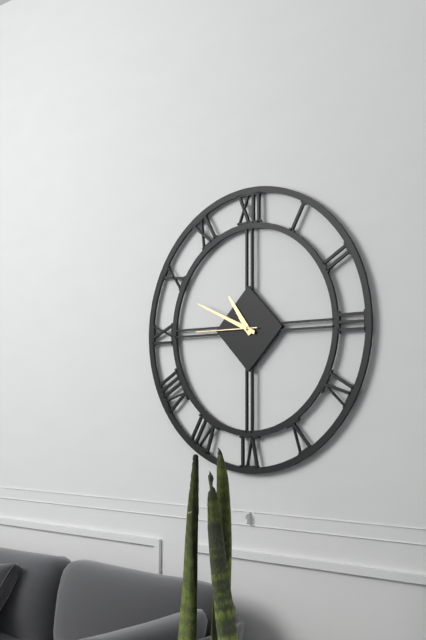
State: 10 h 49 min 45 s
